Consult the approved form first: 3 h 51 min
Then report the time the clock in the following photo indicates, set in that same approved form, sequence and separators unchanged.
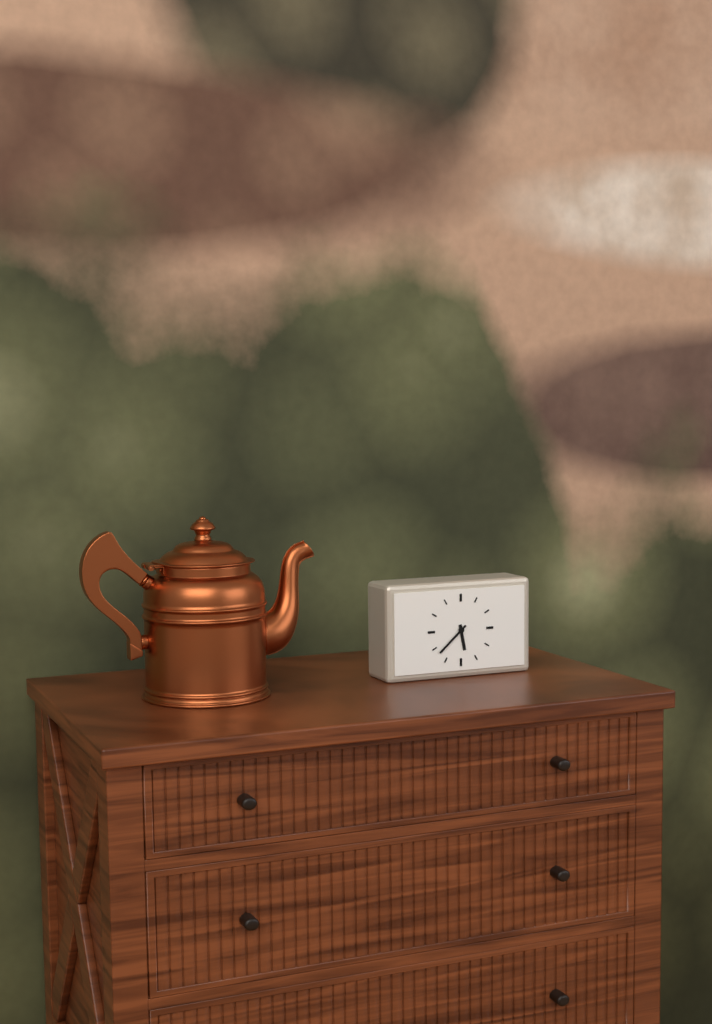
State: 5 h 38 min
